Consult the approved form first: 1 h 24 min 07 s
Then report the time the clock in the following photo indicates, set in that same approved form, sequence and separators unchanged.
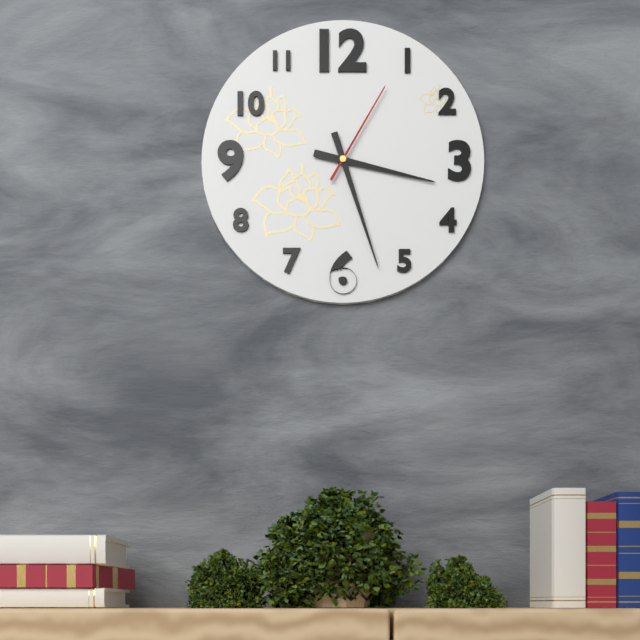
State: 3 h 27 min 05 s
